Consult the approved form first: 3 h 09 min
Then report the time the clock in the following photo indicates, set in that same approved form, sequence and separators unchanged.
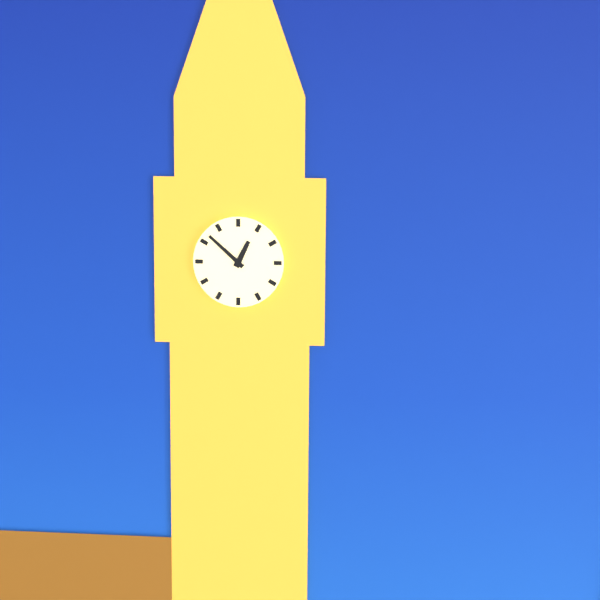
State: 12 h 52 min
